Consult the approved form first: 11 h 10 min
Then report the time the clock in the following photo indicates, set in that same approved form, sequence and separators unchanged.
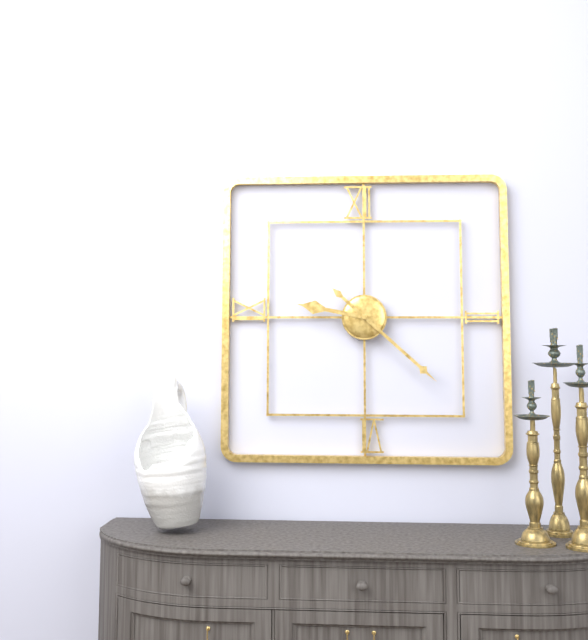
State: 9 h 22 min
